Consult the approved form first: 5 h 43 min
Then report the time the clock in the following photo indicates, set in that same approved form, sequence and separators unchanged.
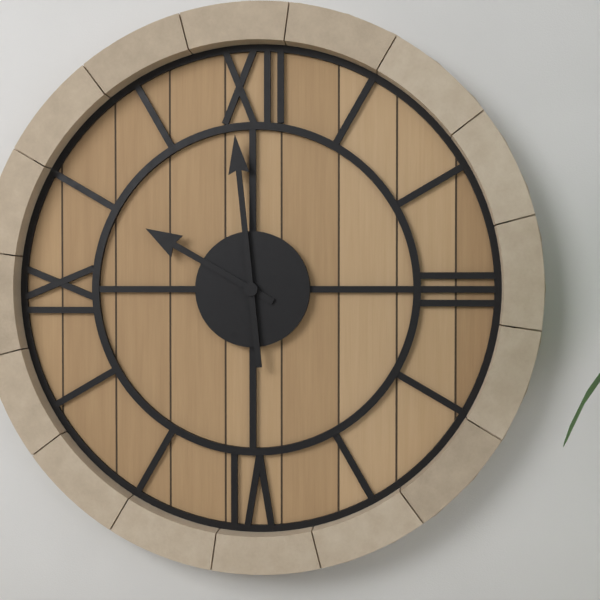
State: 9 h 59 min
